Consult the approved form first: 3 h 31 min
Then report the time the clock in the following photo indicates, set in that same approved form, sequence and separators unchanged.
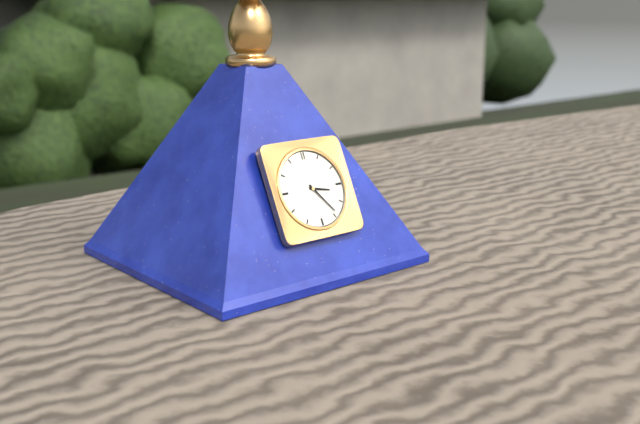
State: 3 h 24 min
